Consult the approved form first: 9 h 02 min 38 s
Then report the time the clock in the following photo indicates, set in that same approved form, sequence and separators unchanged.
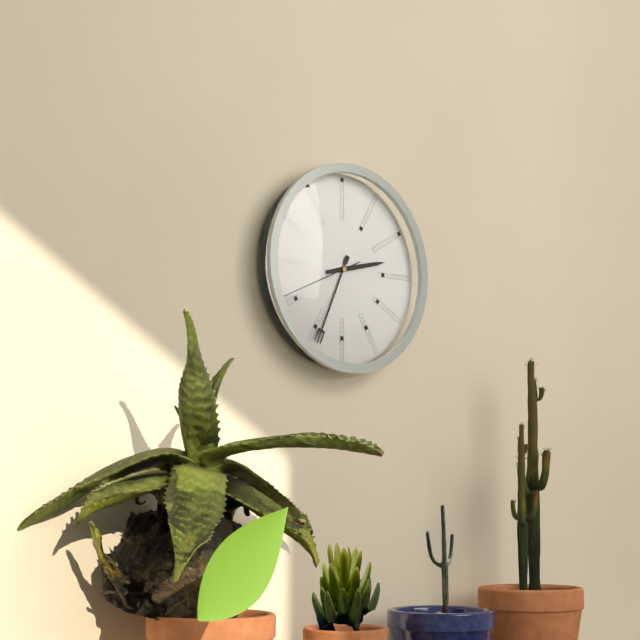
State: 2 h 34 min 41 s
